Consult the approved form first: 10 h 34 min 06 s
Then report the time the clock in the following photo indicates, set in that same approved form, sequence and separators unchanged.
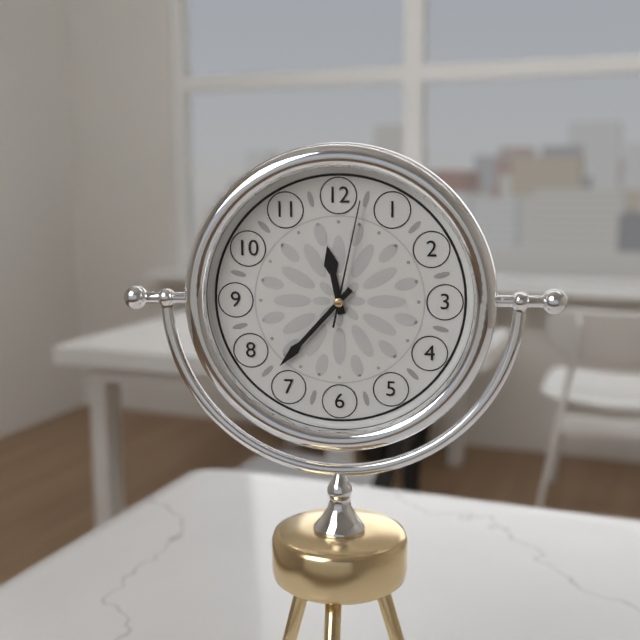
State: 11 h 37 min 02 s
